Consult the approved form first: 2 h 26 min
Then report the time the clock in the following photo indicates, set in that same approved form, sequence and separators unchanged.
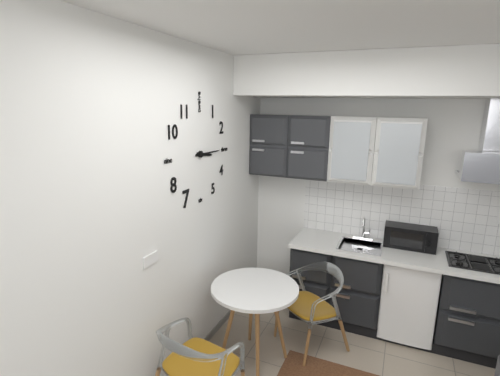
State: 3 h 15 min
